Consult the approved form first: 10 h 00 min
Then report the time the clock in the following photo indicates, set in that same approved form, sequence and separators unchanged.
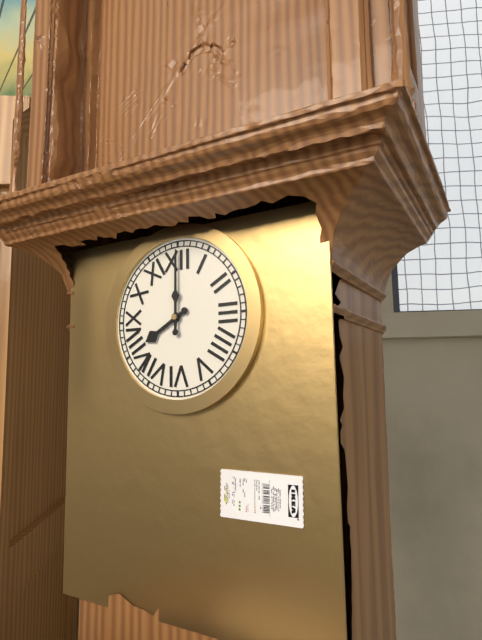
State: 8 h 00 min
